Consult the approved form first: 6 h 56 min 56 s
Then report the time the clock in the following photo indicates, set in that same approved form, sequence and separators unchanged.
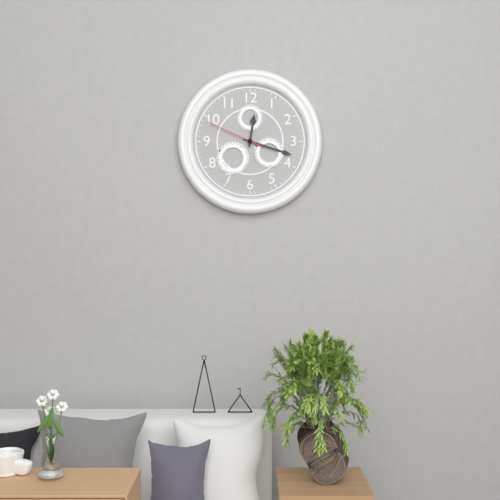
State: 12 h 18 min 49 s
